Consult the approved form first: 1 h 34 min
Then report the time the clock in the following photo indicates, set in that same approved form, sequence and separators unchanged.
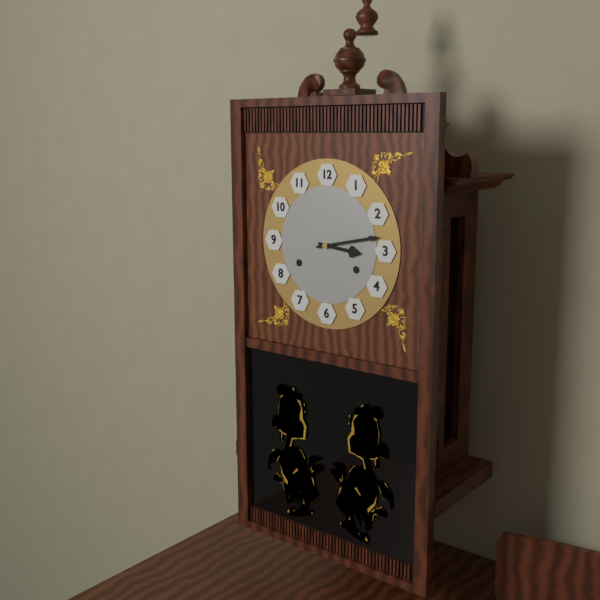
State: 3 h 13 min
